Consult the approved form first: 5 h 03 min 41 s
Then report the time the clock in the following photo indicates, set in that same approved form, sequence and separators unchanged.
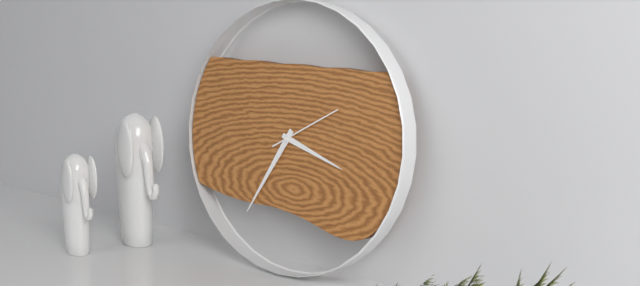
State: 3 h 35 min 10 s
